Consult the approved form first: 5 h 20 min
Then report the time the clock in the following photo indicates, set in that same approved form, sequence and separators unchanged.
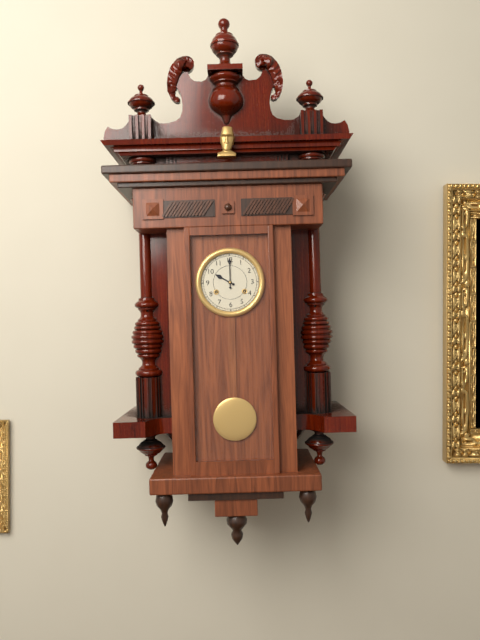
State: 10 h 00 min
